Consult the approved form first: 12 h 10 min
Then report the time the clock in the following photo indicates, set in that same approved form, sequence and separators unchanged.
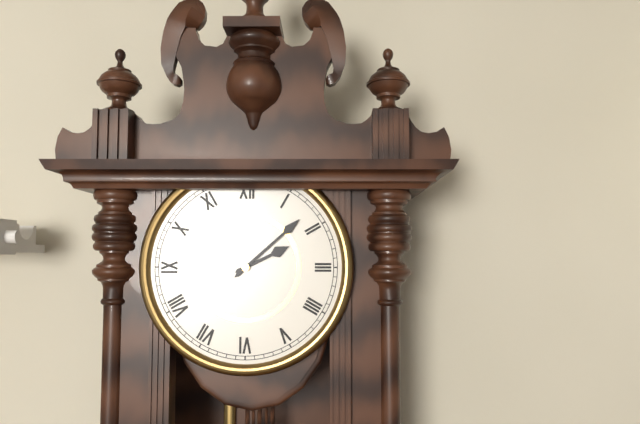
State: 2 h 08 min
